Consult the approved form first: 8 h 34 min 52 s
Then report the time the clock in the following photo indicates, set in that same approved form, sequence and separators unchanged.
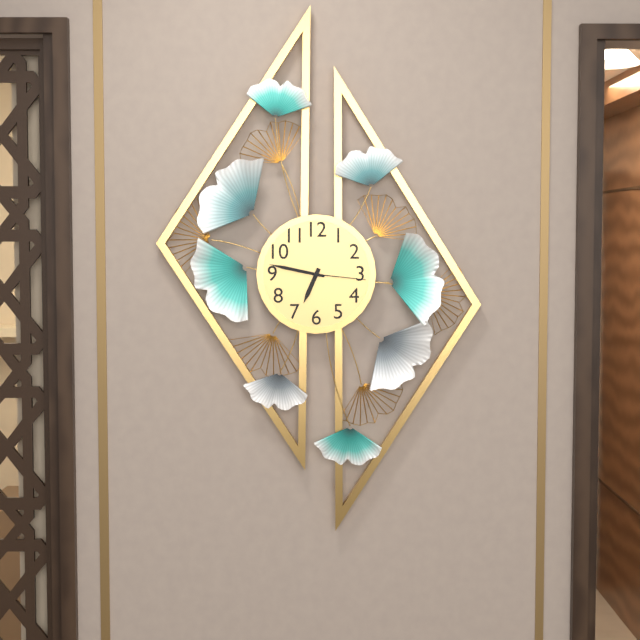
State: 6 h 47 min 16 s
